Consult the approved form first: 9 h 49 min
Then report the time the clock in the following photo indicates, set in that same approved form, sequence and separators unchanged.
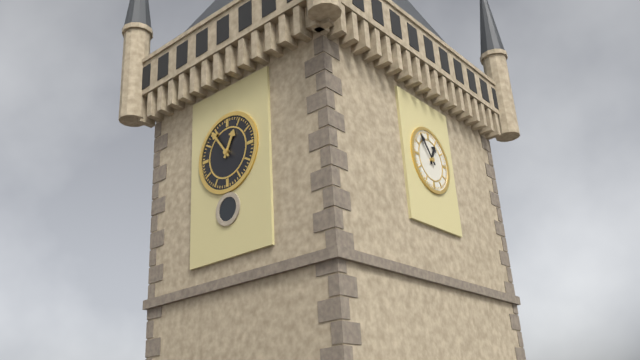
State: 12 h 54 min
